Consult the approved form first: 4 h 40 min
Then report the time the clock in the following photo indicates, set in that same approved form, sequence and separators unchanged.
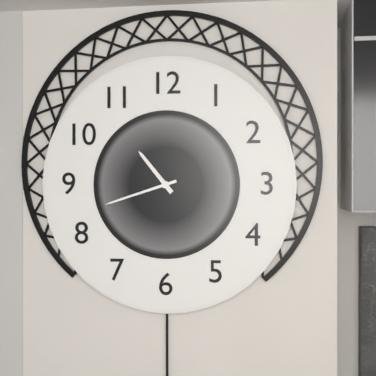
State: 10 h 42 min
